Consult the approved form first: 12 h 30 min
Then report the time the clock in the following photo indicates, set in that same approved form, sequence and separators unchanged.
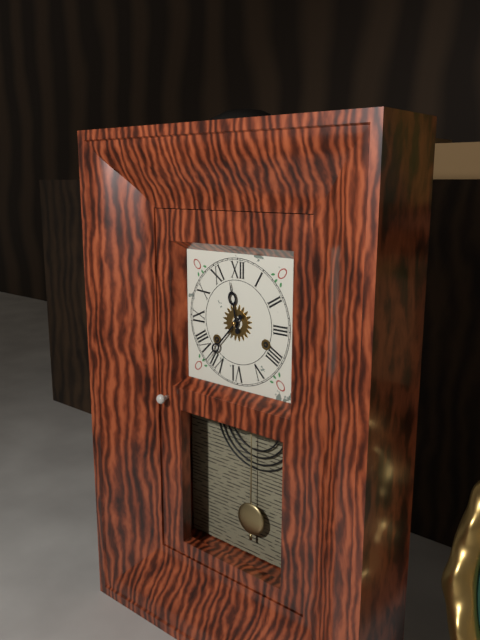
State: 11 h 37 min
